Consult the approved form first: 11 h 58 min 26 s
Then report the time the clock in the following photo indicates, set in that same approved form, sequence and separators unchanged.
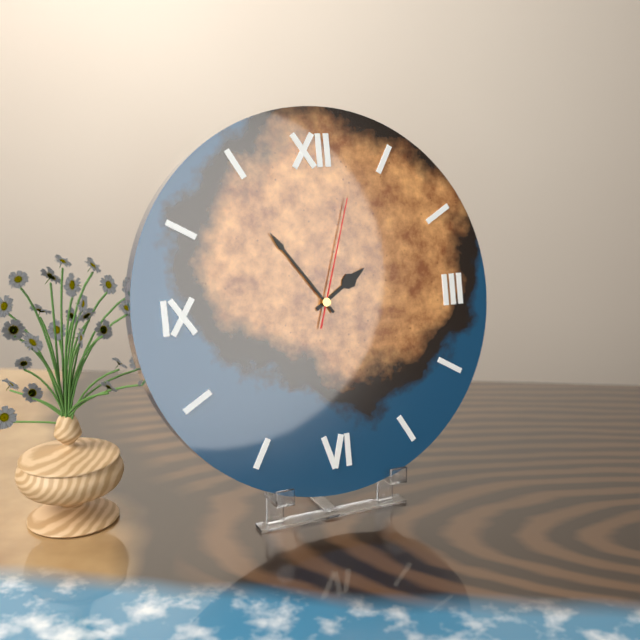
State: 1 h 54 min 03 s
